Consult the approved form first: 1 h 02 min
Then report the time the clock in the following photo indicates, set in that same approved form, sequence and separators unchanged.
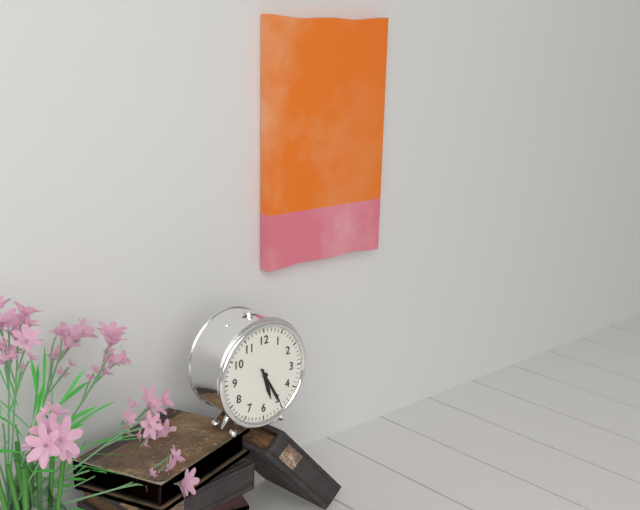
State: 5 h 25 min
